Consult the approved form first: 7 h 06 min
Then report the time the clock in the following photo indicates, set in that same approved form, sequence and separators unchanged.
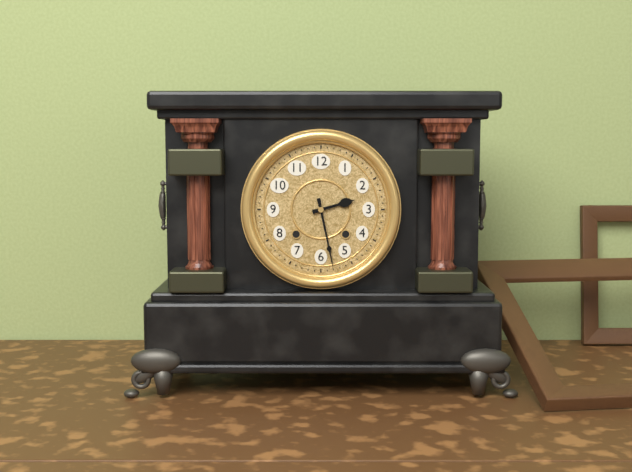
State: 2 h 28 min
